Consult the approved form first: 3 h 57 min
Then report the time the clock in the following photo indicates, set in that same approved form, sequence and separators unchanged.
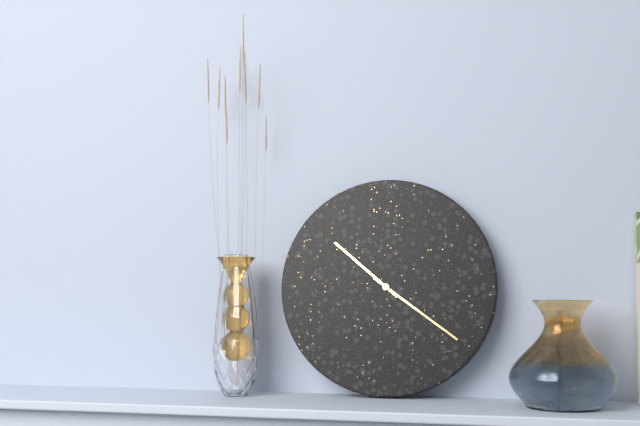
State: 10 h 21 min
